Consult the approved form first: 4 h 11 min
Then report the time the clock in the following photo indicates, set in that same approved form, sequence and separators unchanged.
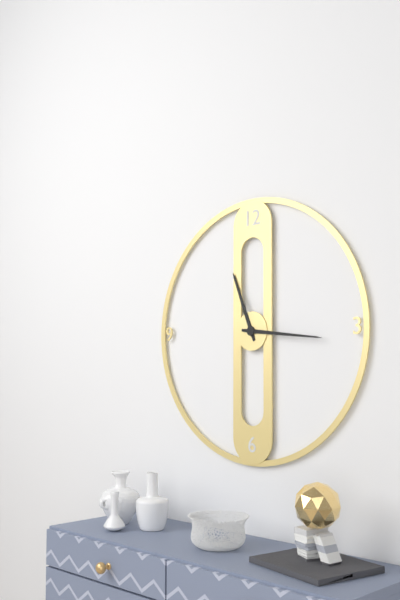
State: 11 h 16 min
